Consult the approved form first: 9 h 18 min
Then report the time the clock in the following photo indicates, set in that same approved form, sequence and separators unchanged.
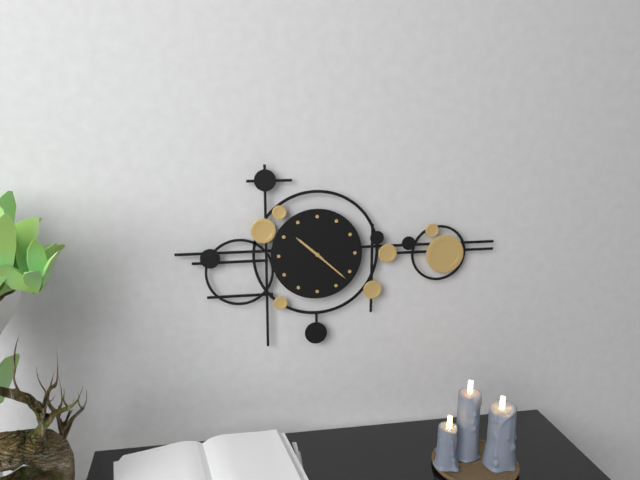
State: 10 h 22 min
